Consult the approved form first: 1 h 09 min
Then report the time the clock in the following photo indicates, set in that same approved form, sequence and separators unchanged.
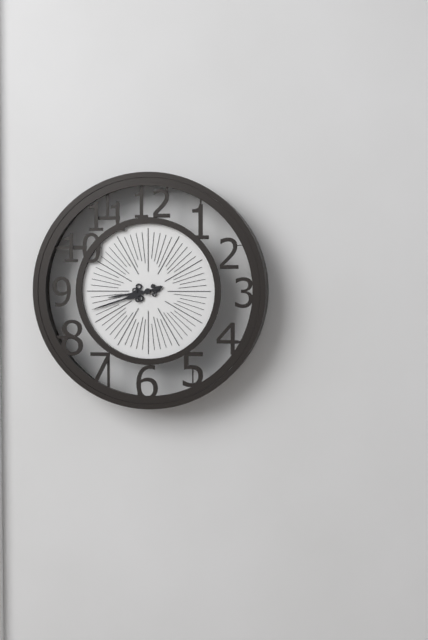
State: 8 h 42 min
